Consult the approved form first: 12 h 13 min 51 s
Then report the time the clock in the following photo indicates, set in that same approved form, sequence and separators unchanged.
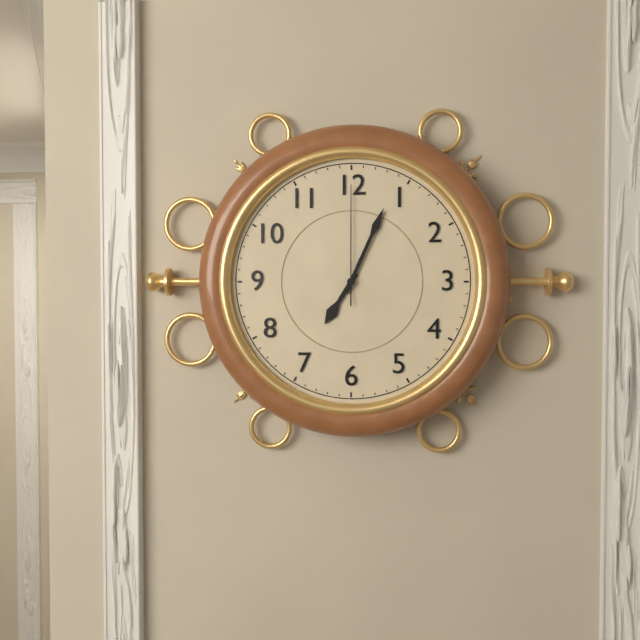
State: 7 h 04 min 00 s
